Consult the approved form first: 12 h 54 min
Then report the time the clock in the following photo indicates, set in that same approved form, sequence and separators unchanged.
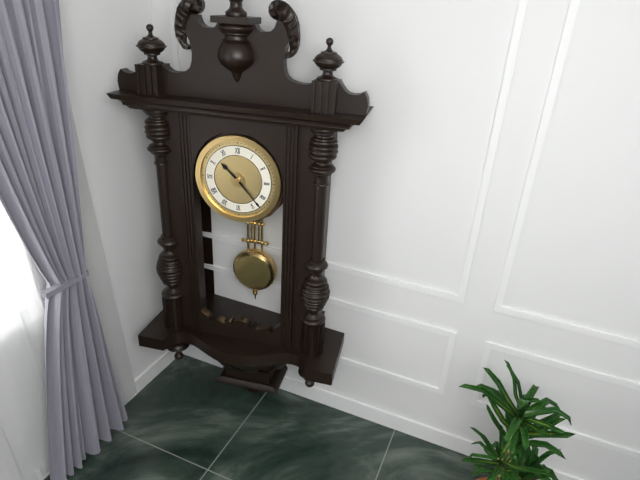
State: 10 h 23 min
